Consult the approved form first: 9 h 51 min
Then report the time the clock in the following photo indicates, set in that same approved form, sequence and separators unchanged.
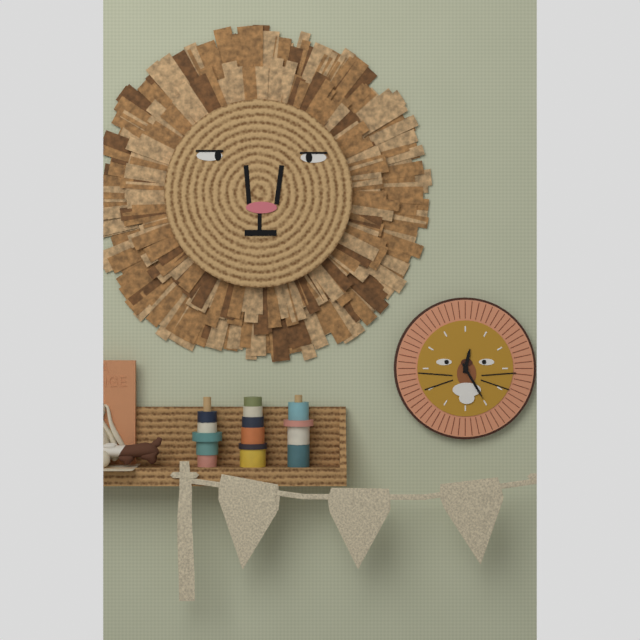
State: 12 h 25 min
